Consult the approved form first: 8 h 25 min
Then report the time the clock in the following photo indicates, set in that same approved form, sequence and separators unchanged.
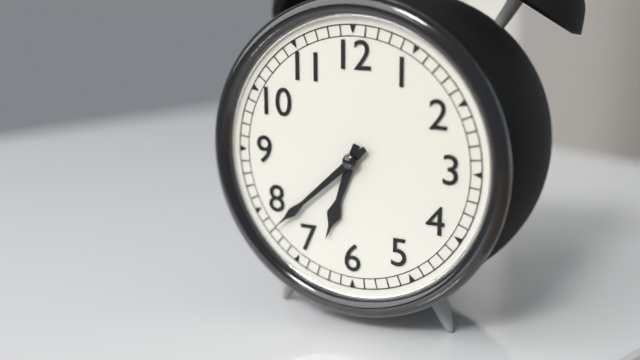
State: 6 h 38 min
